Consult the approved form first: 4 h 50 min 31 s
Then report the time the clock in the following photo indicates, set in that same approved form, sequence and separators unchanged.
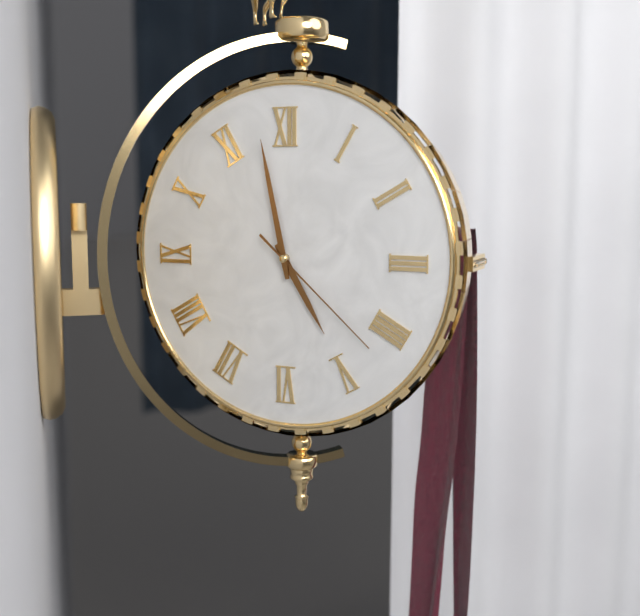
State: 4 h 58 min 22 s
